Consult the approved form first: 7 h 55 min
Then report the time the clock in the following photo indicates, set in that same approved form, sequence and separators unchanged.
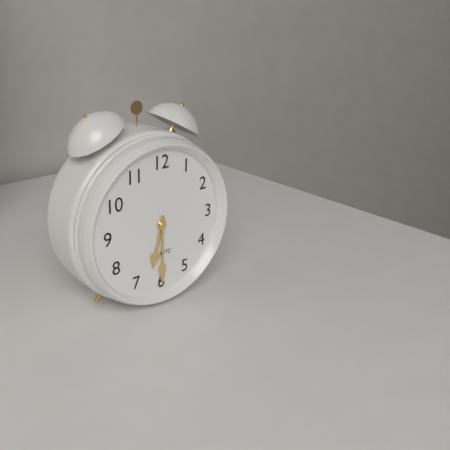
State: 6 h 30 min
